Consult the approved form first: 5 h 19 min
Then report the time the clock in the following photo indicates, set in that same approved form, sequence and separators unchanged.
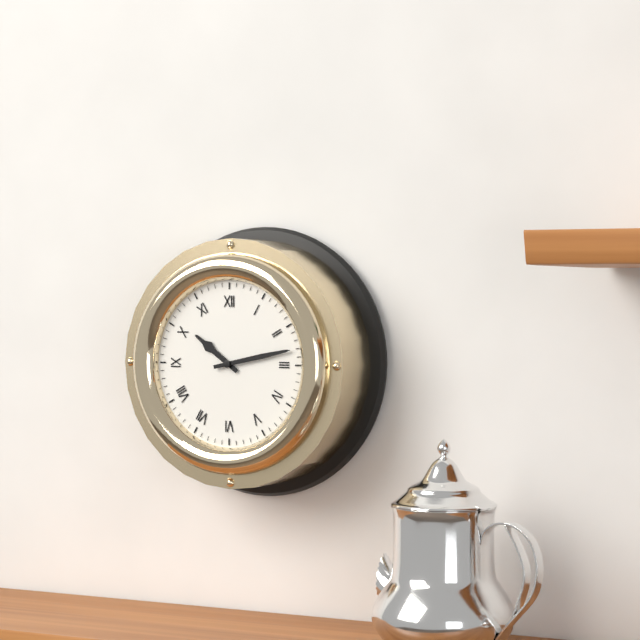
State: 10 h 13 min
